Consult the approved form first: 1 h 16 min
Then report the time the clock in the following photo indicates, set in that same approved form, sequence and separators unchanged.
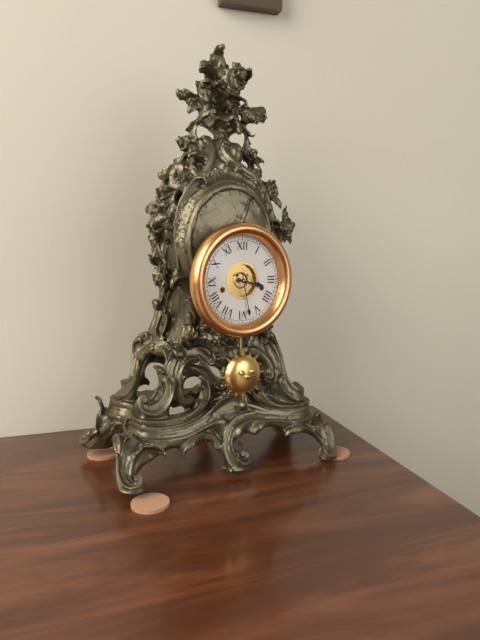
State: 3 h 28 min
